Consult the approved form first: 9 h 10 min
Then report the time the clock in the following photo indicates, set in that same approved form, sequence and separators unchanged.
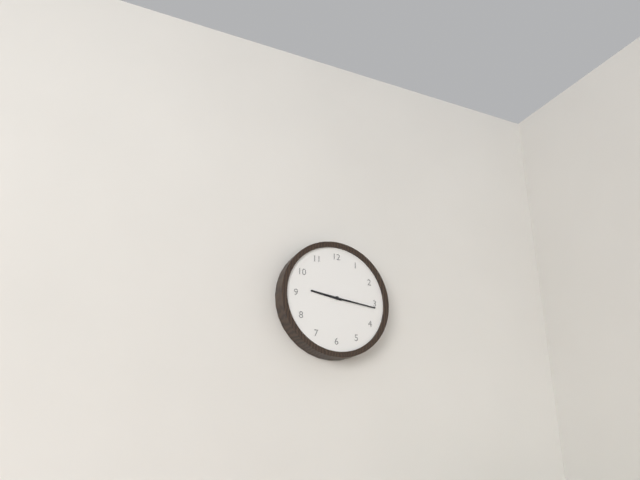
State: 9 h 16 min
